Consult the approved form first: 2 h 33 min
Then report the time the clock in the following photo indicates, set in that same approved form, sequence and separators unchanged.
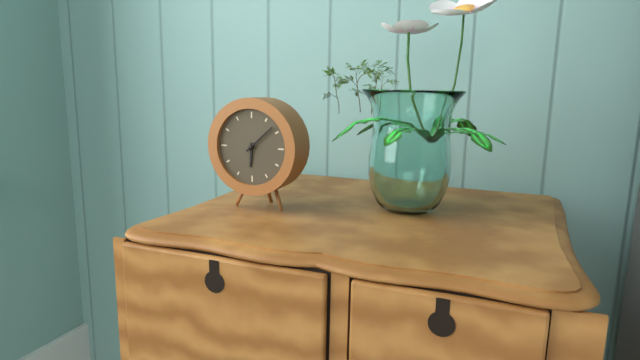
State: 6 h 08 min
